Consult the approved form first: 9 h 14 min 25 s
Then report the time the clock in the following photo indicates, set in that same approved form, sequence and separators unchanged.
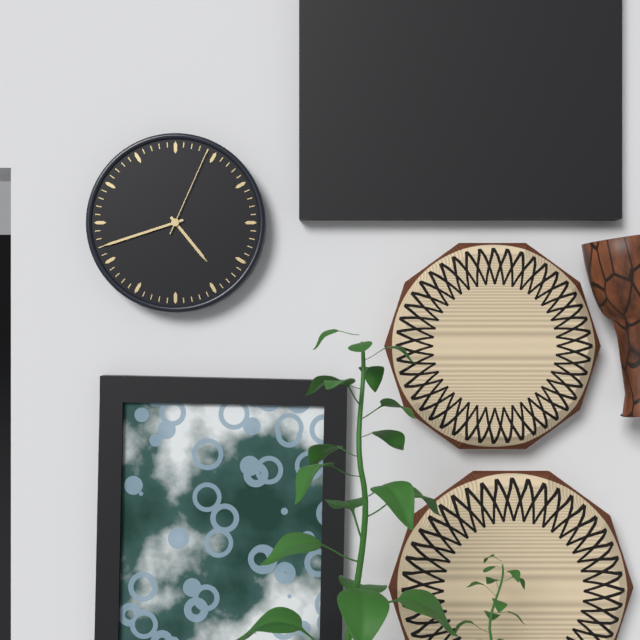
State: 4 h 42 min 04 s
